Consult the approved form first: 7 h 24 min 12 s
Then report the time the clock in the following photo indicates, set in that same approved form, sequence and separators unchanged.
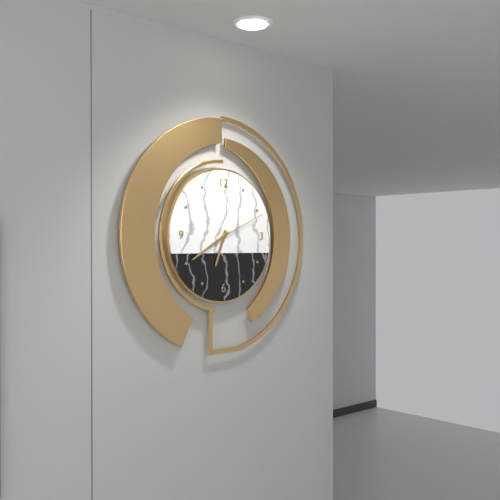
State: 6 h 40 min 11 s
